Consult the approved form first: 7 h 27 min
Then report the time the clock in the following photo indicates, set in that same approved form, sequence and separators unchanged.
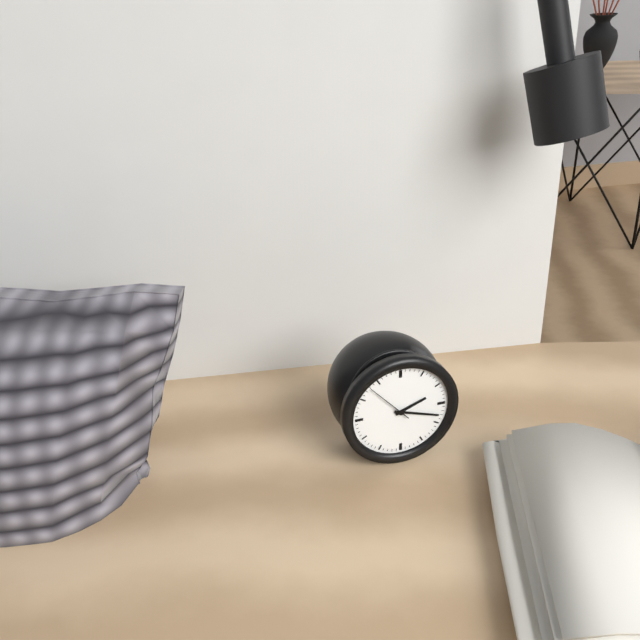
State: 2 h 18 min
